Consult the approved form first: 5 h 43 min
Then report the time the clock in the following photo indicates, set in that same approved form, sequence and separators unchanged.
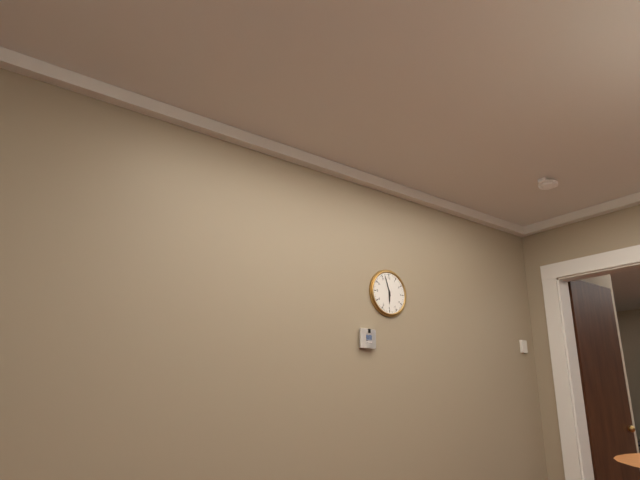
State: 5 h 57 min
